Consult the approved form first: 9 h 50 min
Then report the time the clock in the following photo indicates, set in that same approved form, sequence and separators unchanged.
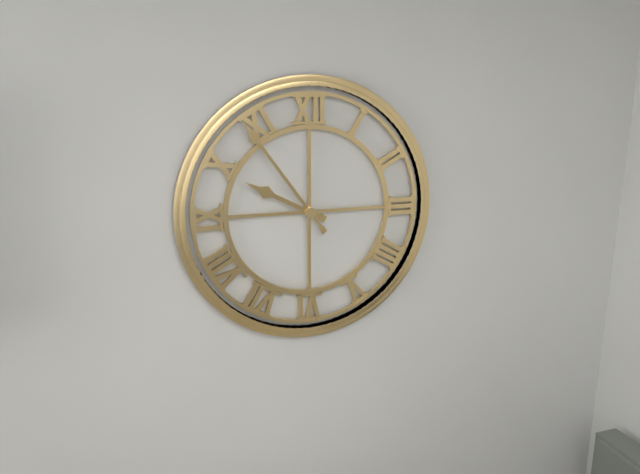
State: 9 h 54 min
